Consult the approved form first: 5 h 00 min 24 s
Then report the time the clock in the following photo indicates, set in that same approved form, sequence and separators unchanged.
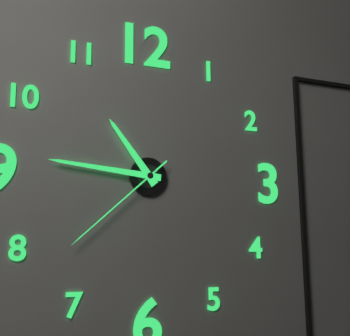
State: 10 h 46 min 38 s
